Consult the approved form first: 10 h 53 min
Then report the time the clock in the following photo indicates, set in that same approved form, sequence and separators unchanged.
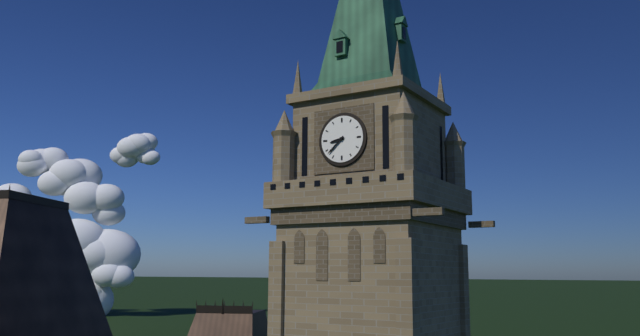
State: 8 h 38 min
